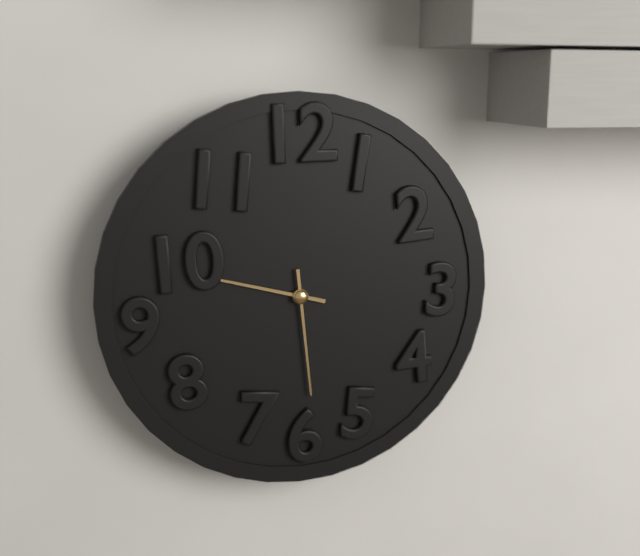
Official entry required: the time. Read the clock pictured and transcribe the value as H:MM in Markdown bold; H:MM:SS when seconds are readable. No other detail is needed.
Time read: **9:29**
